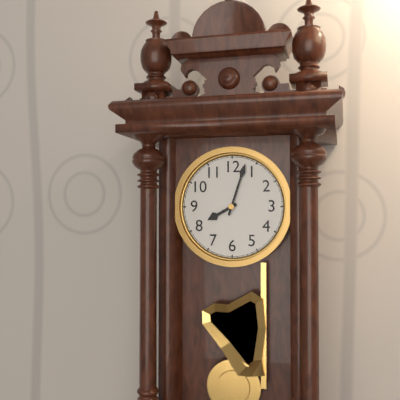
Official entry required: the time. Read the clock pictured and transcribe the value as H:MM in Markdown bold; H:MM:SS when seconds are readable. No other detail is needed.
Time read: **8:03**
